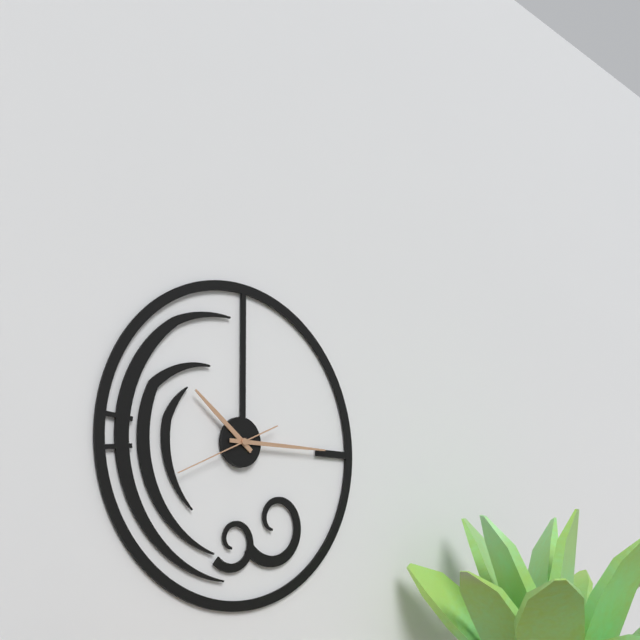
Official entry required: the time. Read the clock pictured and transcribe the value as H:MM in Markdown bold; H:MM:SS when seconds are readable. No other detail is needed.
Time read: **10:15:41**
